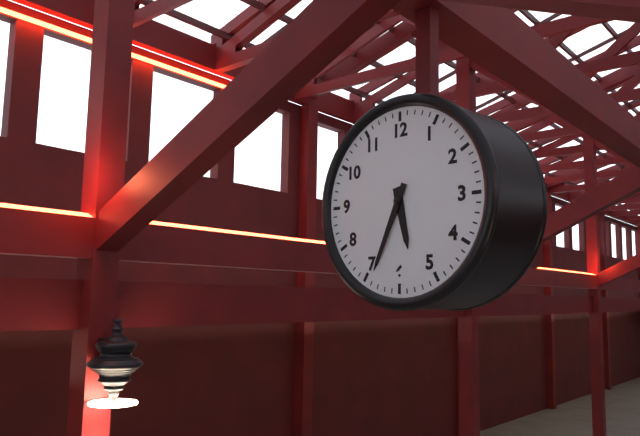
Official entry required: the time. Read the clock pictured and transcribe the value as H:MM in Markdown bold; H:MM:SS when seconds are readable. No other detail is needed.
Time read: **5:34**
